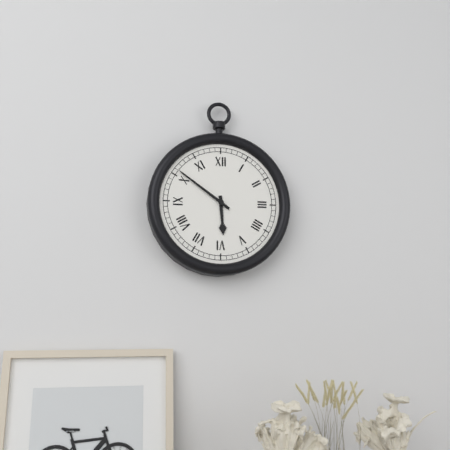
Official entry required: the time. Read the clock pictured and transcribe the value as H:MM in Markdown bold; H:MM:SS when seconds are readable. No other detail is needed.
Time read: **5:51**
